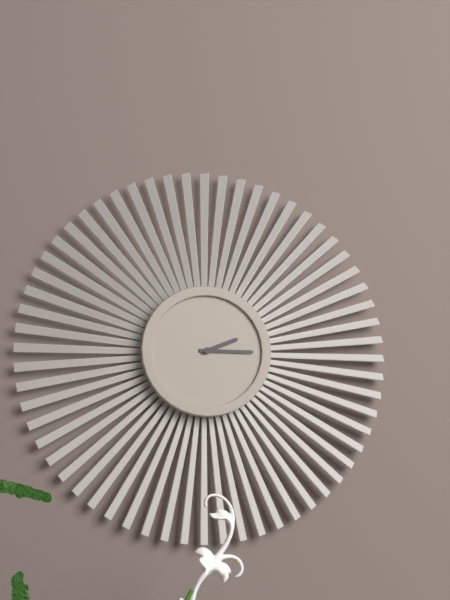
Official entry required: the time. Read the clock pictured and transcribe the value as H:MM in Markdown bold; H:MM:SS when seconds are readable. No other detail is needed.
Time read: **2:15**
